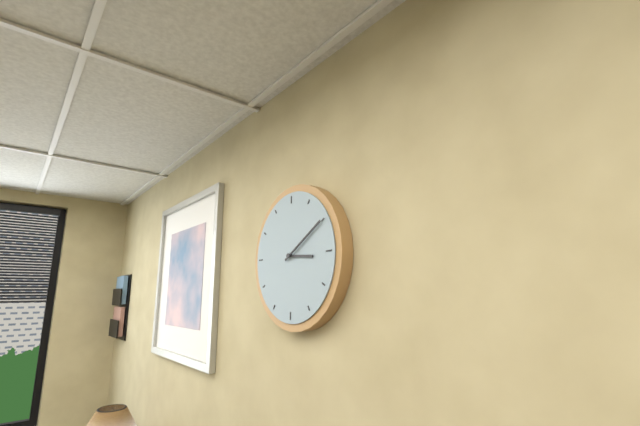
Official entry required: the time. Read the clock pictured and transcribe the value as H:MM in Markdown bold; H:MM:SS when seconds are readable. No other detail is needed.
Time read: **3:10**
